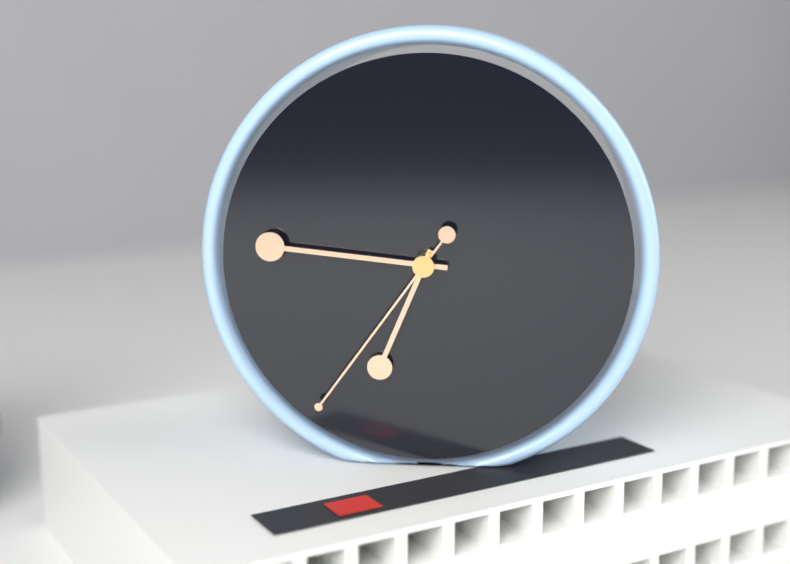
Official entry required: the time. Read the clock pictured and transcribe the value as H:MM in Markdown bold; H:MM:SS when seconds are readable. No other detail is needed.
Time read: **6:46:36**
